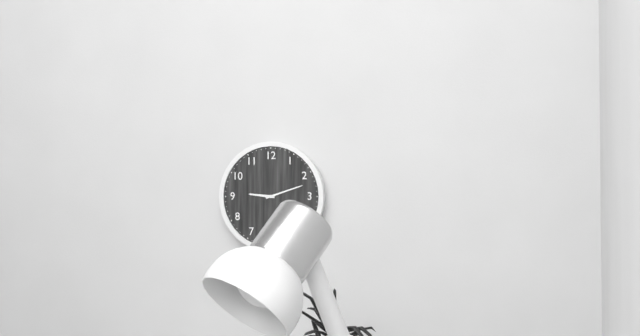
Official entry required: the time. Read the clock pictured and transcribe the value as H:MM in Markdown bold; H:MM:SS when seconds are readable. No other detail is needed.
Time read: **9:12**
